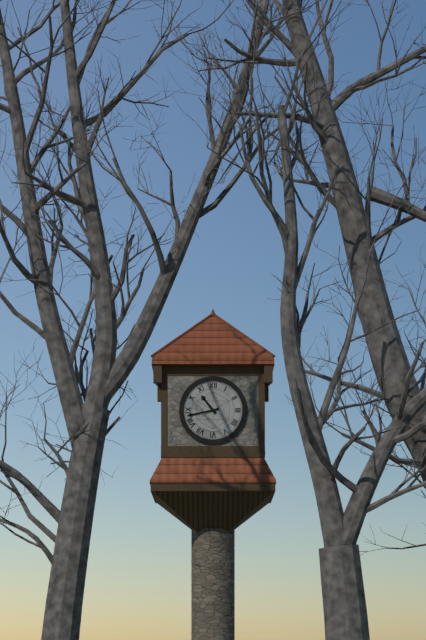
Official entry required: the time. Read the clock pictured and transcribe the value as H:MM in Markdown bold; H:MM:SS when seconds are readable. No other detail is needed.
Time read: **10:43**
